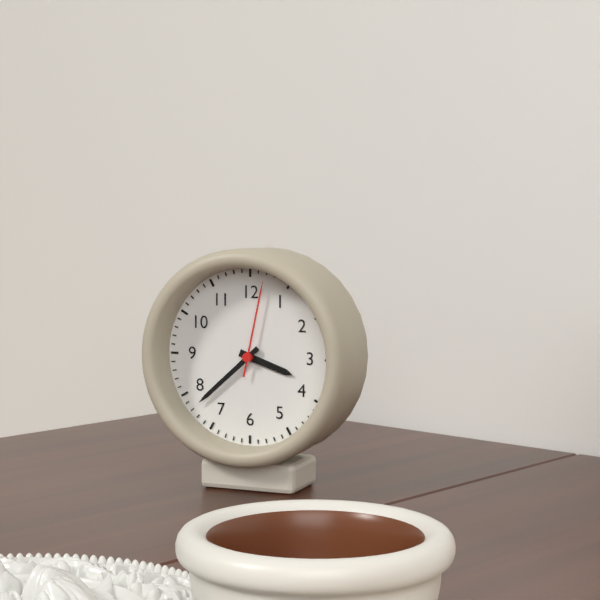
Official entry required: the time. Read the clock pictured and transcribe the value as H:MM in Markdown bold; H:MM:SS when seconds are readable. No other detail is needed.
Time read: **3:38:02**
